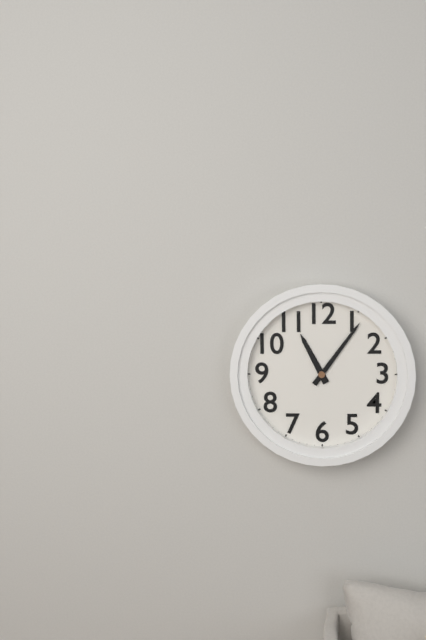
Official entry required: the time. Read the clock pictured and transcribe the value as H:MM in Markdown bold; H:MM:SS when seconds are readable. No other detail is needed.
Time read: **11:06**
